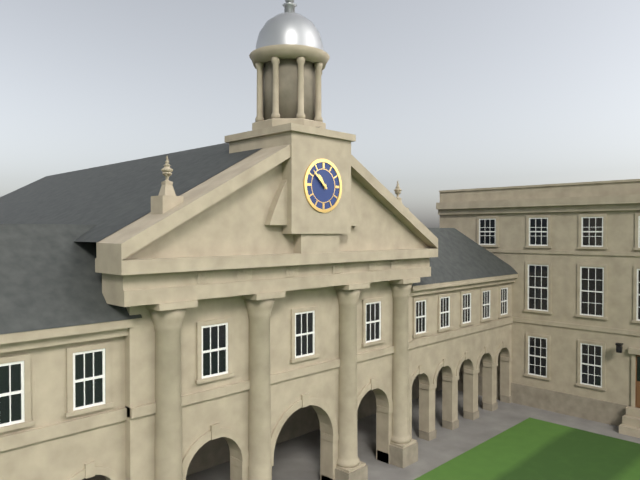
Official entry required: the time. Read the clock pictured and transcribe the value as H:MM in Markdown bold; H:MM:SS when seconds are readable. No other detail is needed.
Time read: **10:52**
